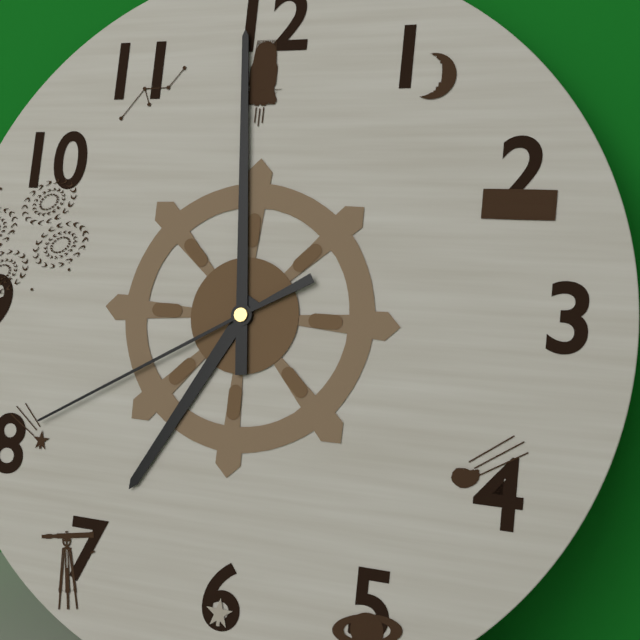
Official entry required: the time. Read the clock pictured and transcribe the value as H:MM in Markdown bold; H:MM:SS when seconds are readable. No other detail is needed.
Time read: **6:59:40**
